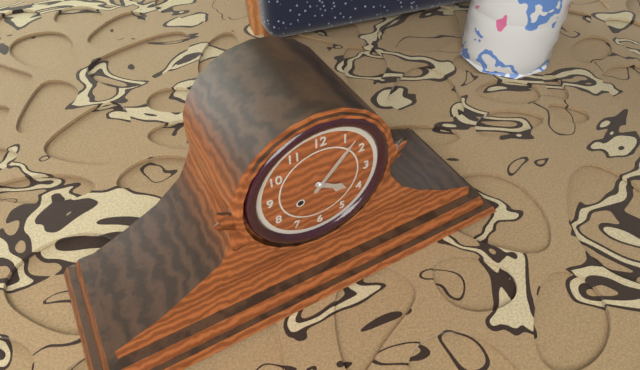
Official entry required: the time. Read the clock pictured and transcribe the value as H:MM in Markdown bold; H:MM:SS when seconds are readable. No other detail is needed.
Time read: **4:07**
